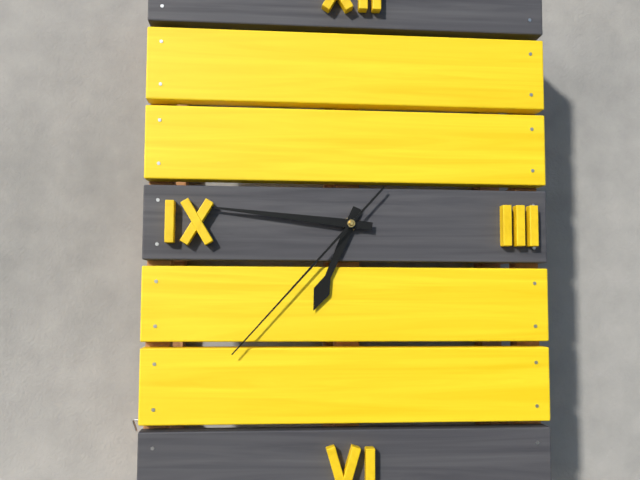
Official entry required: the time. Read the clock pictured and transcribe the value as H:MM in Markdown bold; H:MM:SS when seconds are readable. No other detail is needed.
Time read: **6:46:37**
